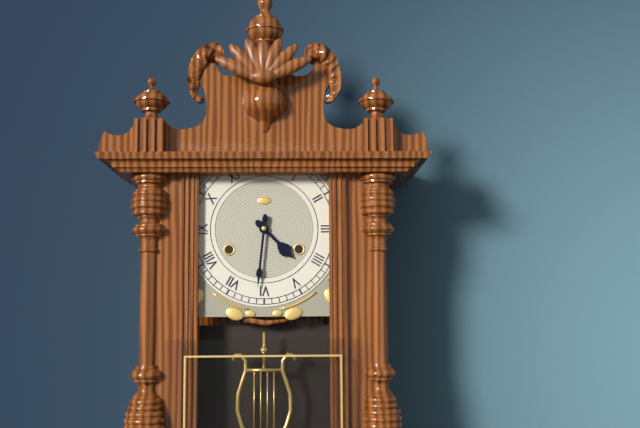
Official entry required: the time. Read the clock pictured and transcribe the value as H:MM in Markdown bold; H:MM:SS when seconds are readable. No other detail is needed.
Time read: **4:31**
